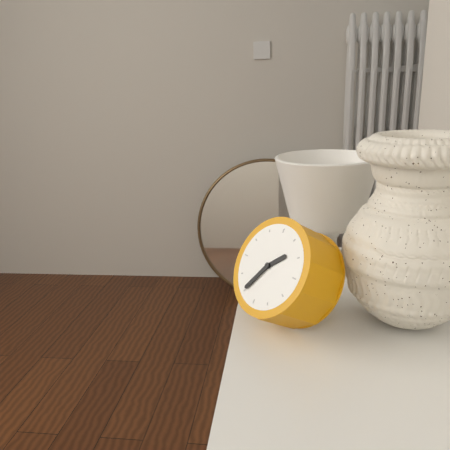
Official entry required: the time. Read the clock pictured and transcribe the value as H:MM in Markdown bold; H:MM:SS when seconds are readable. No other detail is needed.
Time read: **1:35**
